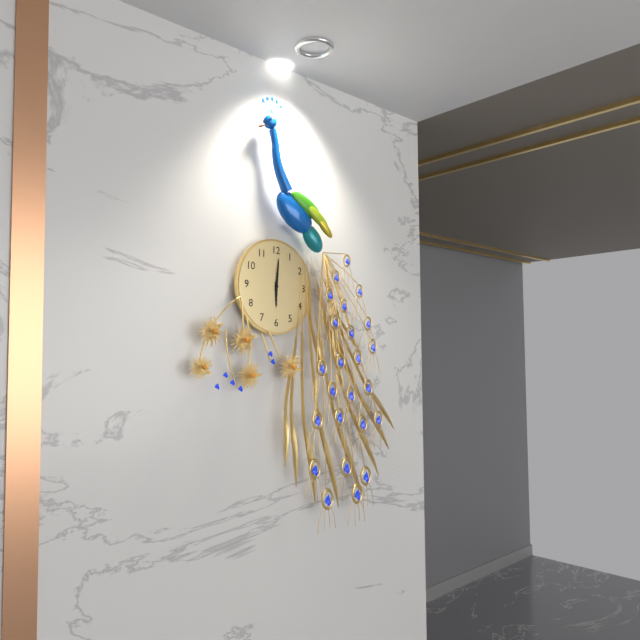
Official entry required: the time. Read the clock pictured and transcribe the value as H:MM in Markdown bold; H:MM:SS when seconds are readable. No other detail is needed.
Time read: **6:01**
